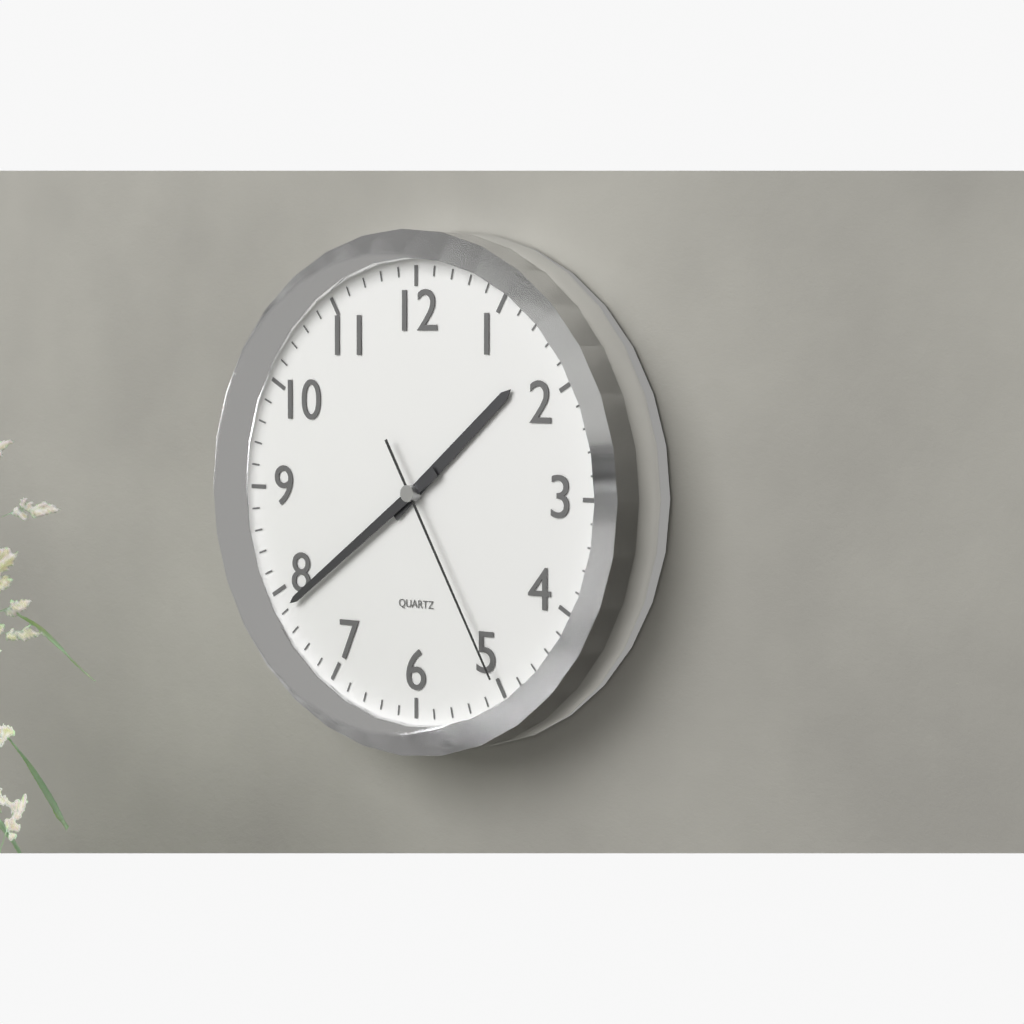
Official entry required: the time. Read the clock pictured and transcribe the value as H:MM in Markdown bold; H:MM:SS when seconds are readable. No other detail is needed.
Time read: **1:39:25**
